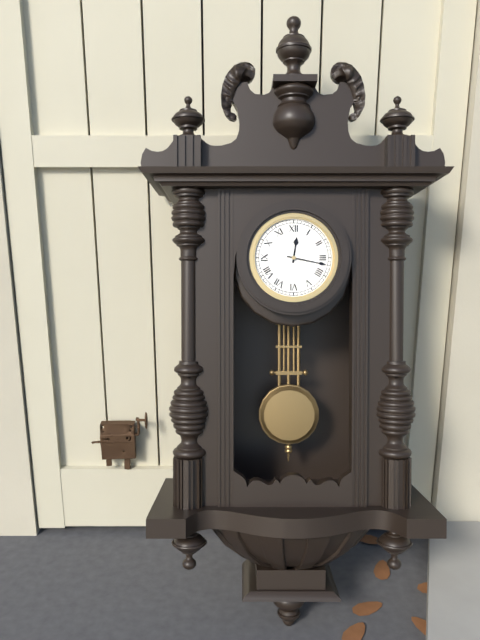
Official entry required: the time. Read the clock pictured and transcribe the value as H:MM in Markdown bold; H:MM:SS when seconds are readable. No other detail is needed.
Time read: **12:17**
